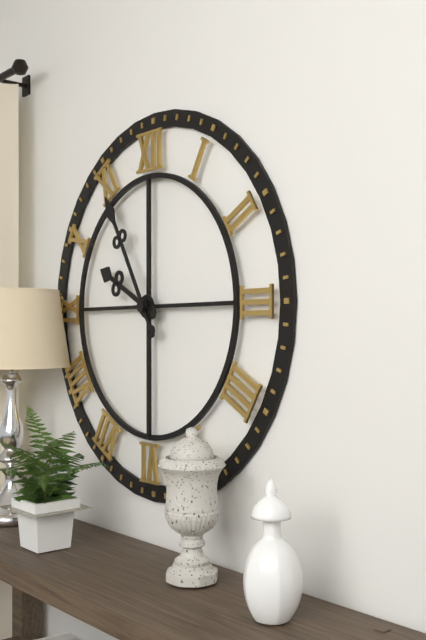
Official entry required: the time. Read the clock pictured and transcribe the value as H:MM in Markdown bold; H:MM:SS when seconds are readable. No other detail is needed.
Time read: **9:55**
